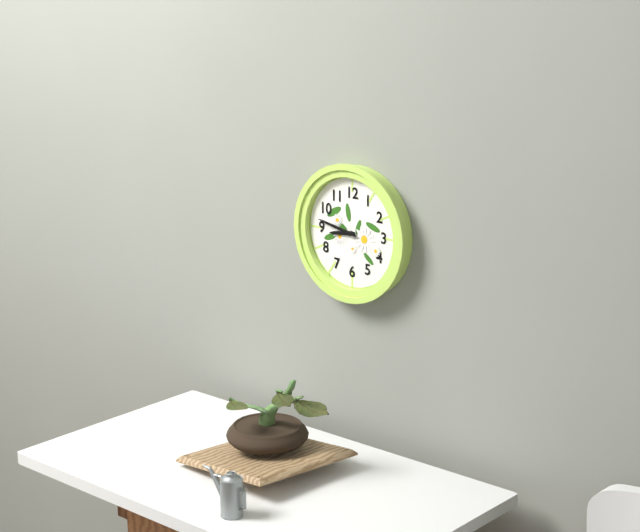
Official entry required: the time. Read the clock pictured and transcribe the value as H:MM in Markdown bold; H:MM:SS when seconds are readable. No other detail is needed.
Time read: **8:47**
